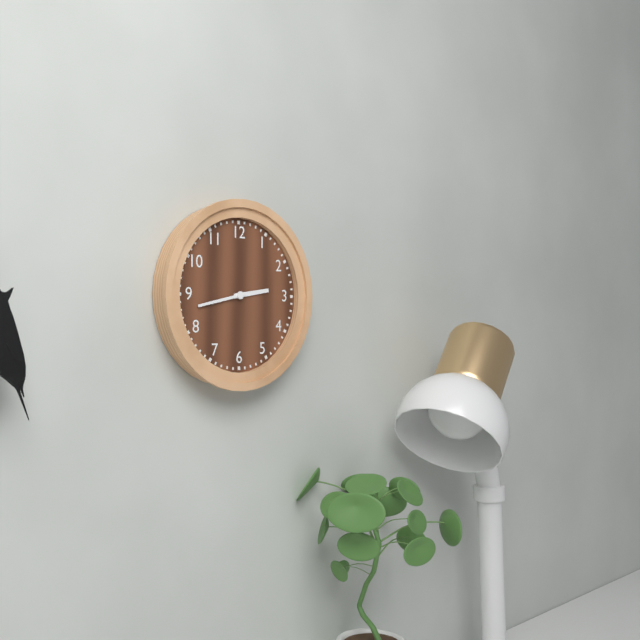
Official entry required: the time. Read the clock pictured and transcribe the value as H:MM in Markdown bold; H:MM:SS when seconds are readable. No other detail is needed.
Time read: **2:43**
